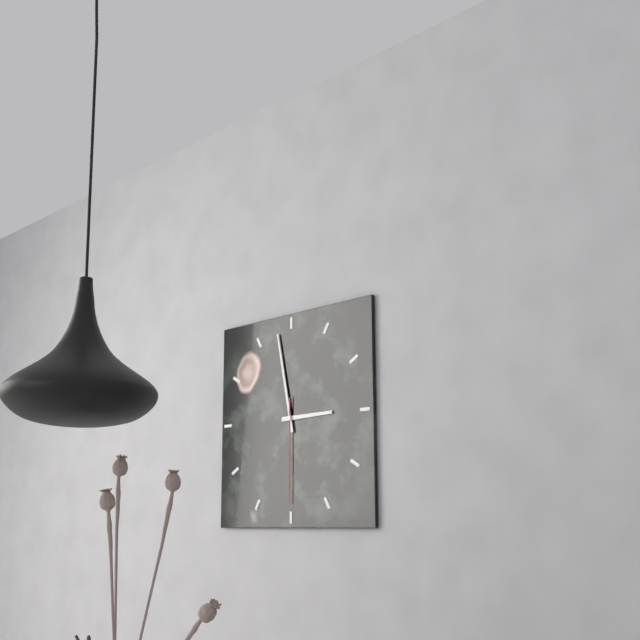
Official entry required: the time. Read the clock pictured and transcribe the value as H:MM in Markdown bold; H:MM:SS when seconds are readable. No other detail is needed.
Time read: **2:58:30**
